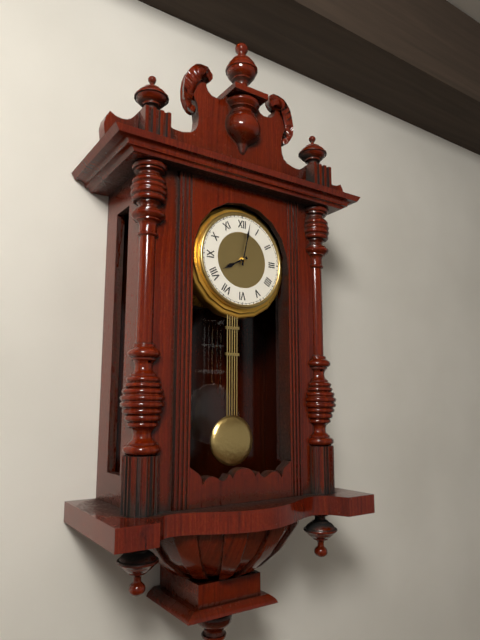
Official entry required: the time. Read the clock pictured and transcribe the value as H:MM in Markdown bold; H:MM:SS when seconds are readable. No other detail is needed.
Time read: **8:02**
